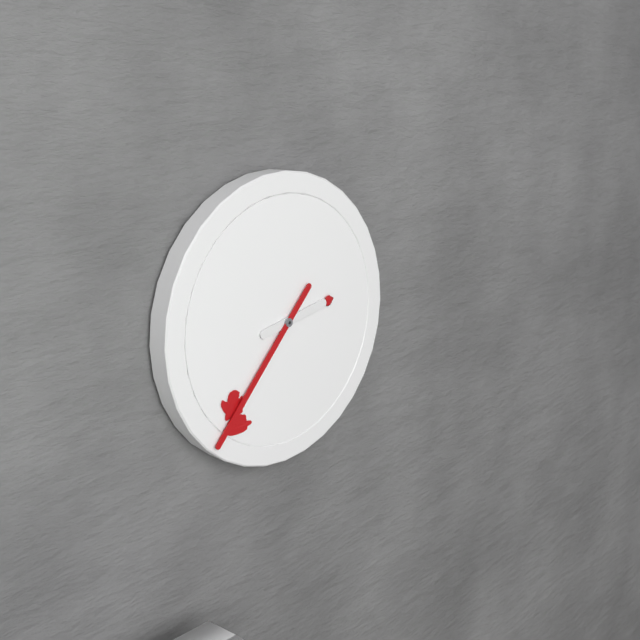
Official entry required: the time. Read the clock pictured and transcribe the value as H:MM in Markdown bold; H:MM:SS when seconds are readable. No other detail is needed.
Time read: **2:37**
